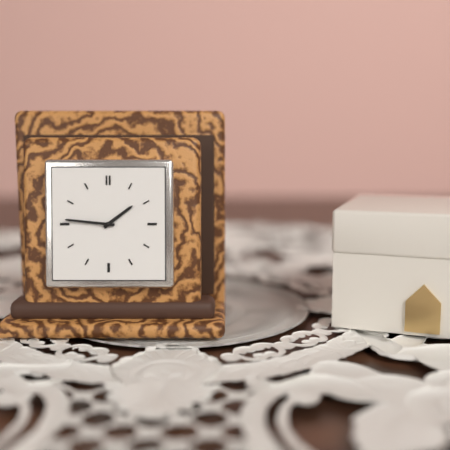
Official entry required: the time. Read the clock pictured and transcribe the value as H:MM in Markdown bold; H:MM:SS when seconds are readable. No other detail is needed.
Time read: **1:46**
